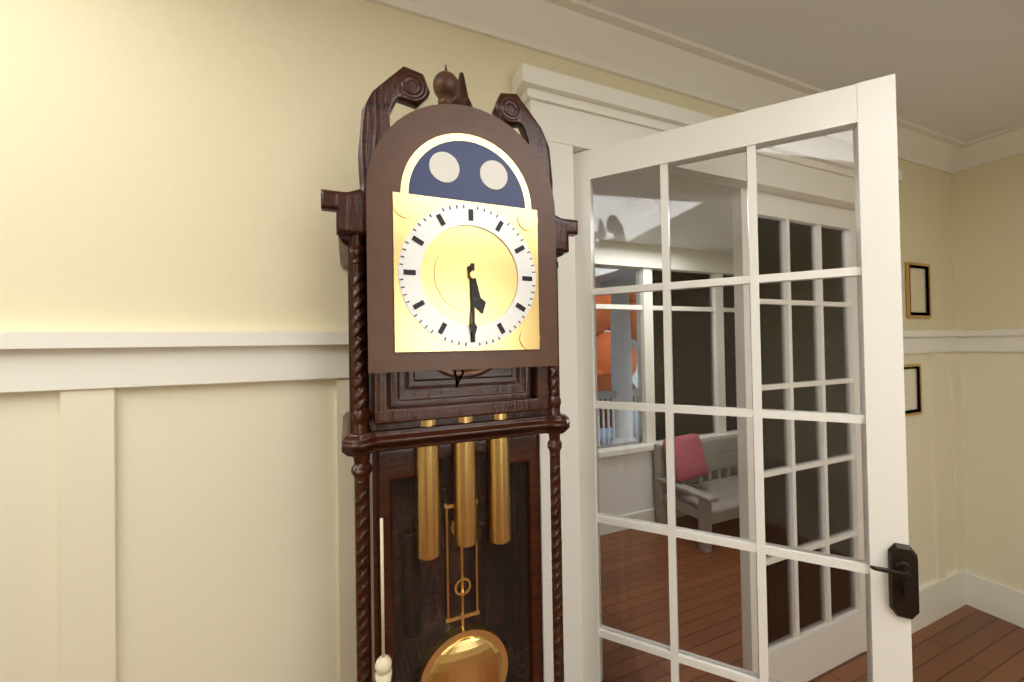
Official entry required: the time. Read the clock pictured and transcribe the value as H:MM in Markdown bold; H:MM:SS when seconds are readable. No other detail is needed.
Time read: **5:30**
